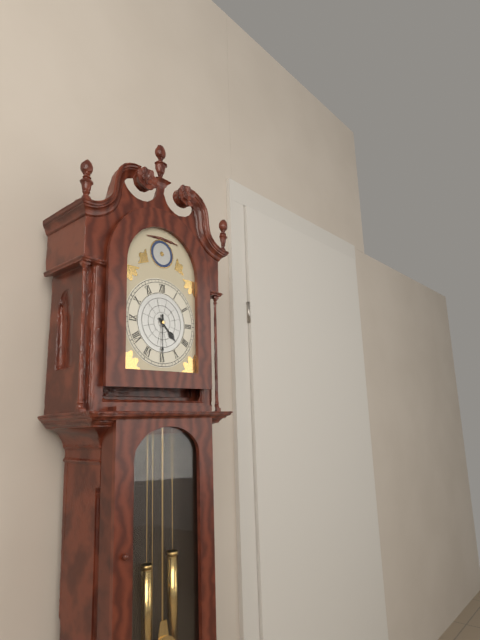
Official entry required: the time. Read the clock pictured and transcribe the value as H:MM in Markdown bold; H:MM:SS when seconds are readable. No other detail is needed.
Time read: **4:30**
